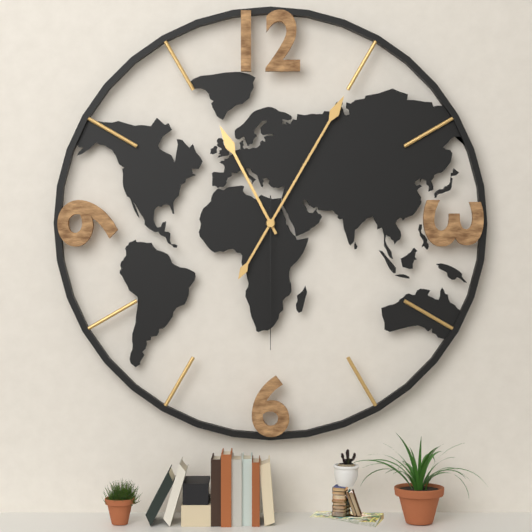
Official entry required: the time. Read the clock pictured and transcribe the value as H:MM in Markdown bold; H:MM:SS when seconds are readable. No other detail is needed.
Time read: **11:05:30**
